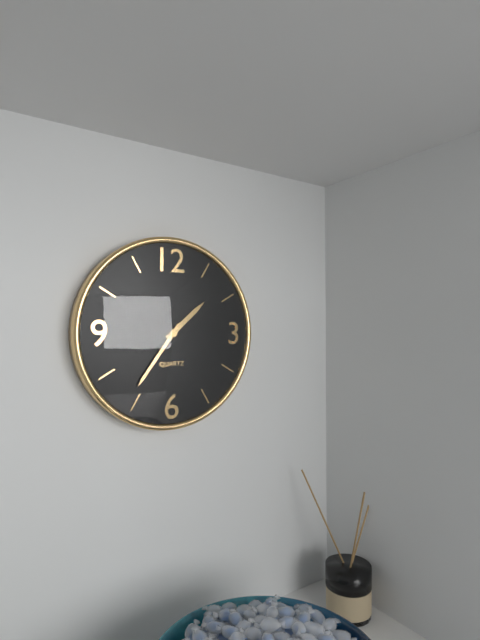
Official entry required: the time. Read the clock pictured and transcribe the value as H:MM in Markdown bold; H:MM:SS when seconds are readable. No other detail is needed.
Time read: **1:36**
